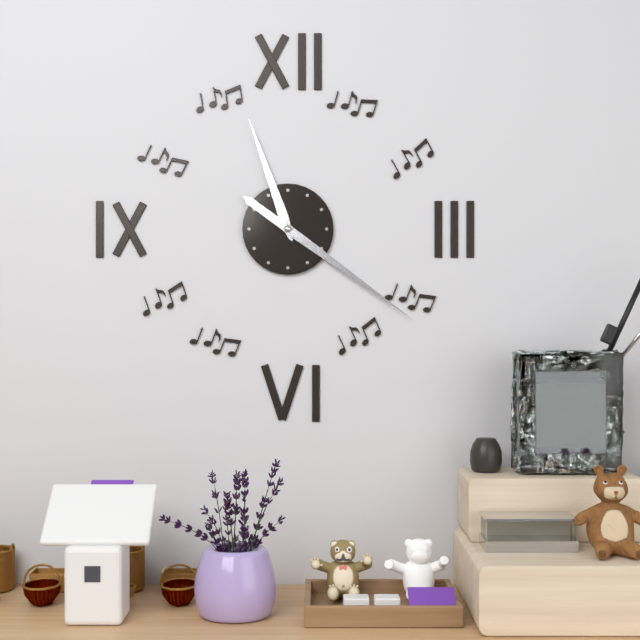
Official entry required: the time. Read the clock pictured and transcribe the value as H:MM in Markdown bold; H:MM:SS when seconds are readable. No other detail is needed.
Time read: **11:21**
